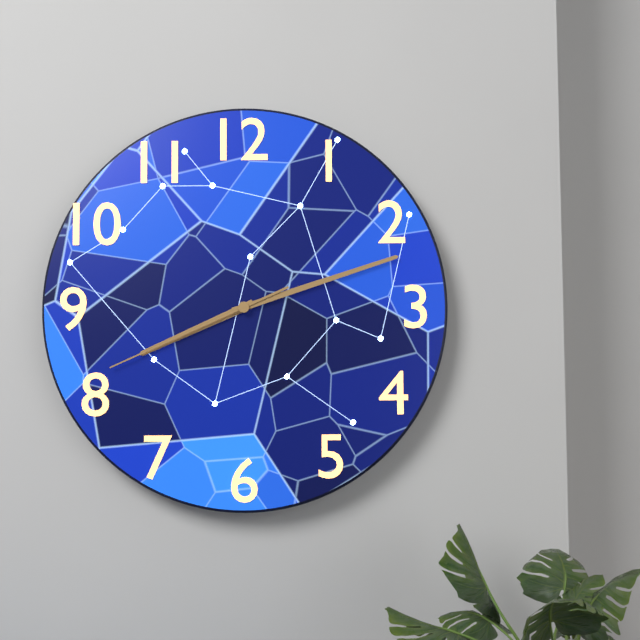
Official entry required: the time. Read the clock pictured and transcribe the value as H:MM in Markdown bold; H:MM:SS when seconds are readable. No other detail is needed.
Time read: **8:12:41**
